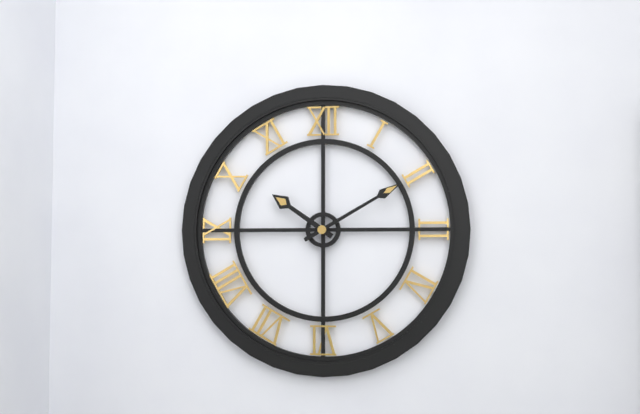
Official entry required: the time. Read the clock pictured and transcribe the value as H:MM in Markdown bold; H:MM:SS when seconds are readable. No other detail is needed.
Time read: **10:10**
